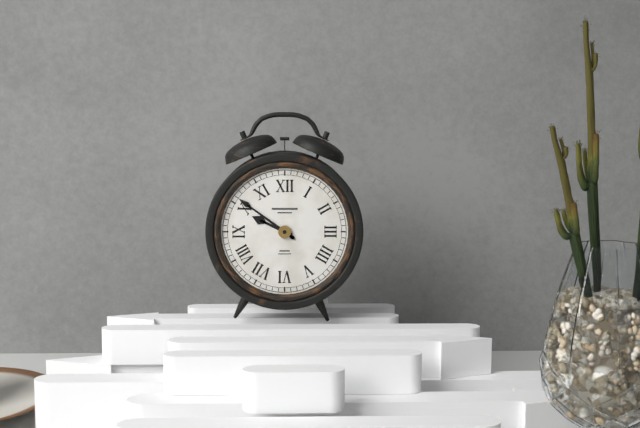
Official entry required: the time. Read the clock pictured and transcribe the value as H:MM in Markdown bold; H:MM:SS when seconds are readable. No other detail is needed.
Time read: **9:51**
